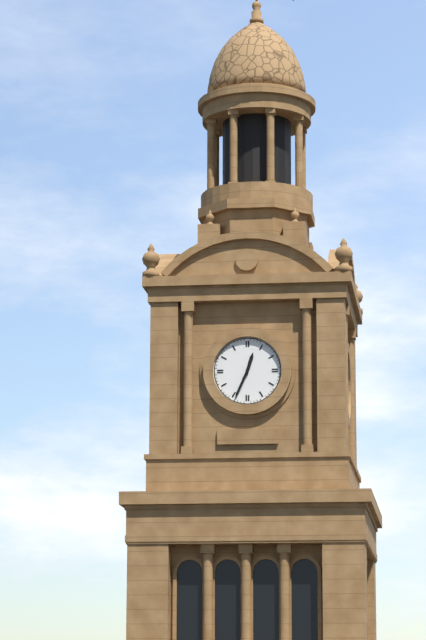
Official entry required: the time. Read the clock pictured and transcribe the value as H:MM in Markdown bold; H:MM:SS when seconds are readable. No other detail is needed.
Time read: **12:34**
